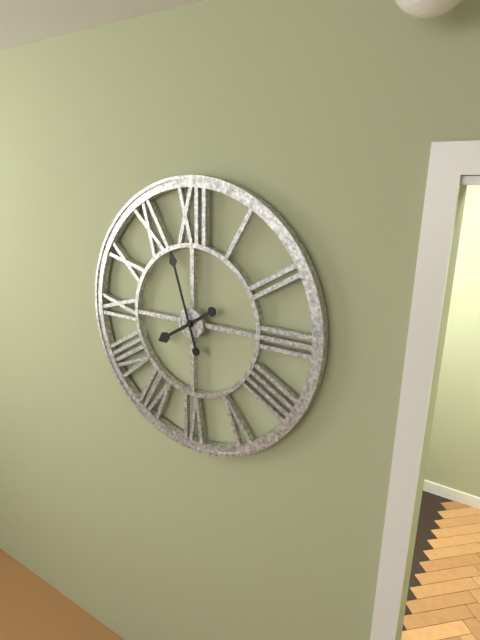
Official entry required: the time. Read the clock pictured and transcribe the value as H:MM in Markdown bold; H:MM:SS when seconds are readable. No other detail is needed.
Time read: **7:57**
